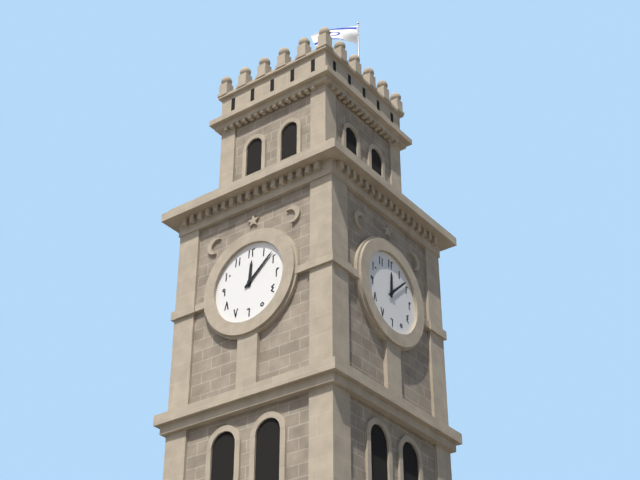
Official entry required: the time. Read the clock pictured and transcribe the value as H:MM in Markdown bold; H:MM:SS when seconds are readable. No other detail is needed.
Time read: **12:08**
